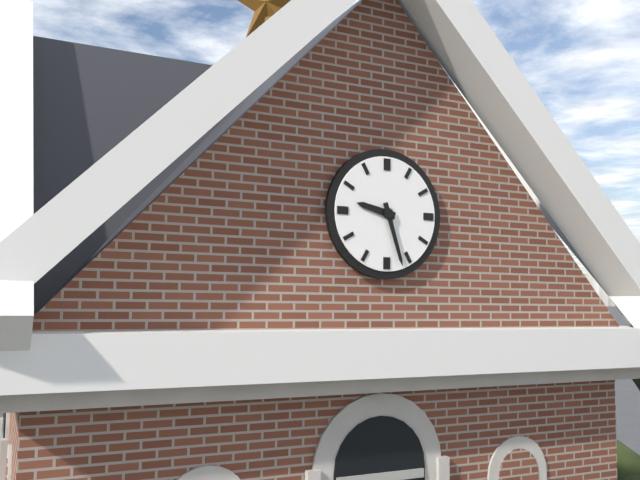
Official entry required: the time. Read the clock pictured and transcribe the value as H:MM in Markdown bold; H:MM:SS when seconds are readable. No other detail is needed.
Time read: **9:27**
